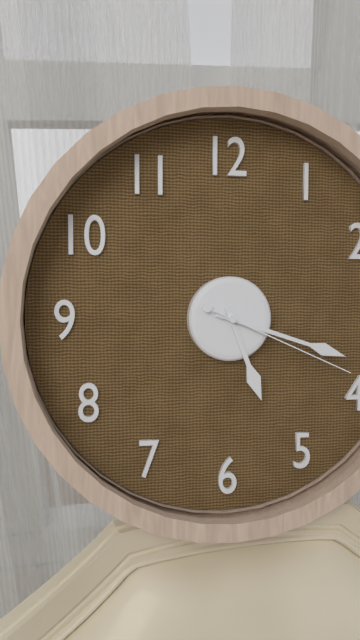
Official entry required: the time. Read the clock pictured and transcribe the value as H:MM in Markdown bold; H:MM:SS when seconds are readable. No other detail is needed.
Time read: **5:18:19**
